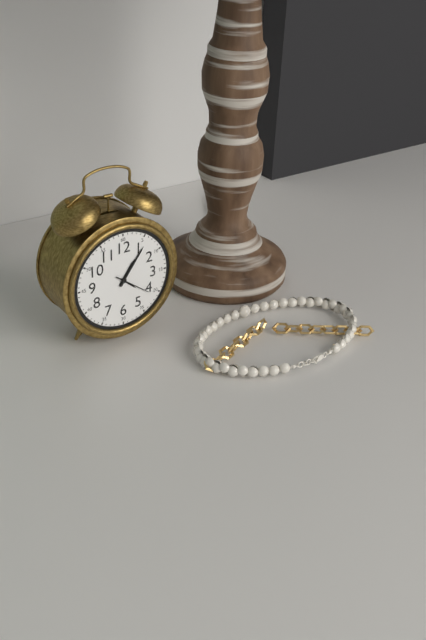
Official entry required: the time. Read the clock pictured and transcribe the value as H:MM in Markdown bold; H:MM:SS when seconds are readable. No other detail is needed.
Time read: **1:06**
